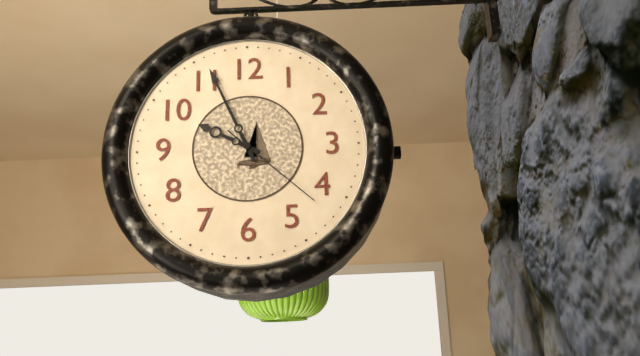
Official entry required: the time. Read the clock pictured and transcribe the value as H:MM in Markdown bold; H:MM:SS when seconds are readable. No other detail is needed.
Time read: **9:56:22**
